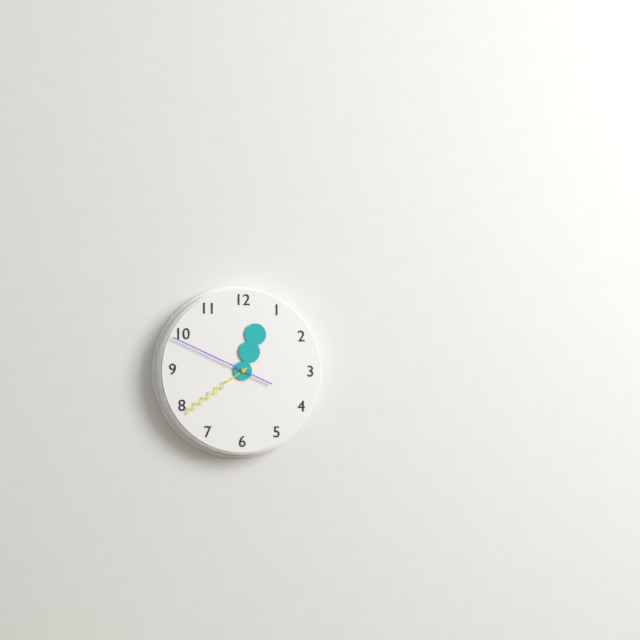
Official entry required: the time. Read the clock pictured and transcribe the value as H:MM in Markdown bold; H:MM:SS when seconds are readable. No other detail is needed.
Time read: **12:39:49**
